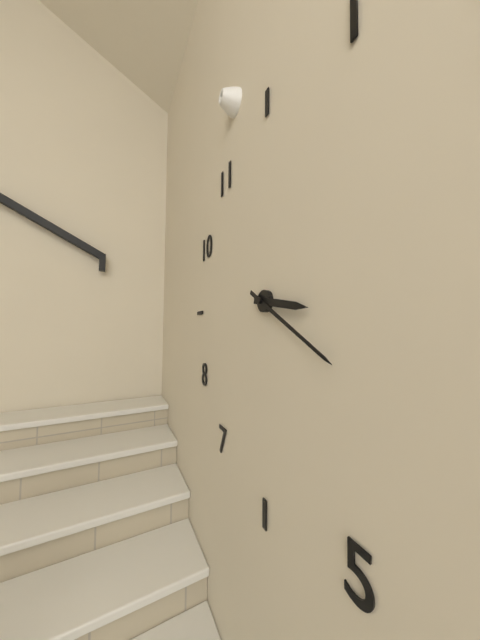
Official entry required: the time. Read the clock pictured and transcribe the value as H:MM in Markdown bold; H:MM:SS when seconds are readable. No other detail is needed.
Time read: **3:20**
